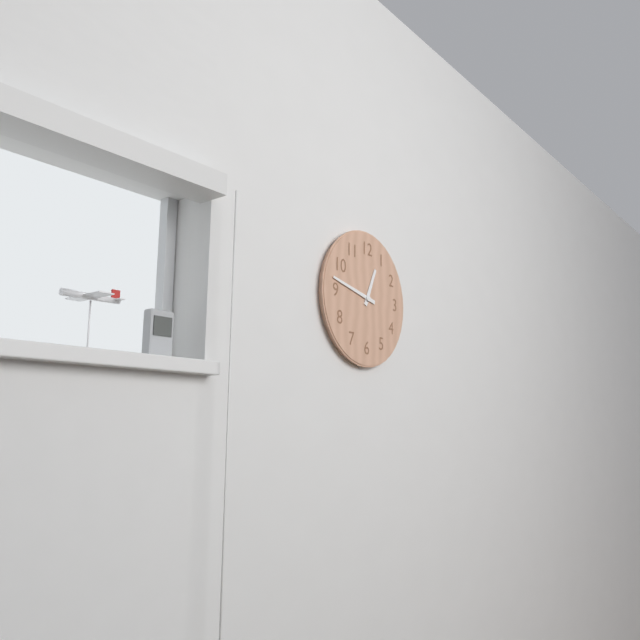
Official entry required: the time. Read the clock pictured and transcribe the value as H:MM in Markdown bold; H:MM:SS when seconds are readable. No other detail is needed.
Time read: **12:47**
